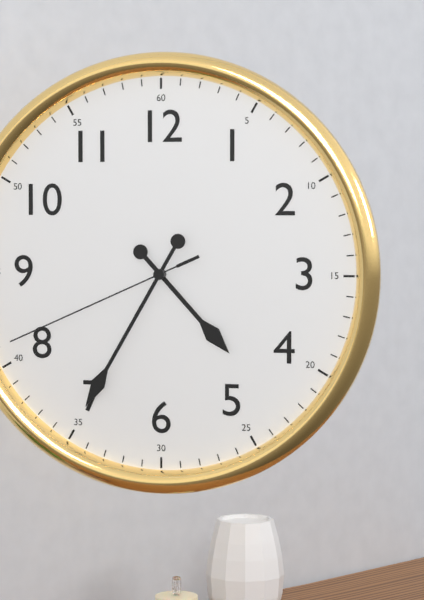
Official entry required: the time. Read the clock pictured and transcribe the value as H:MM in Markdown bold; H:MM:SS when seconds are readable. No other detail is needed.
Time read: **4:35:41**
